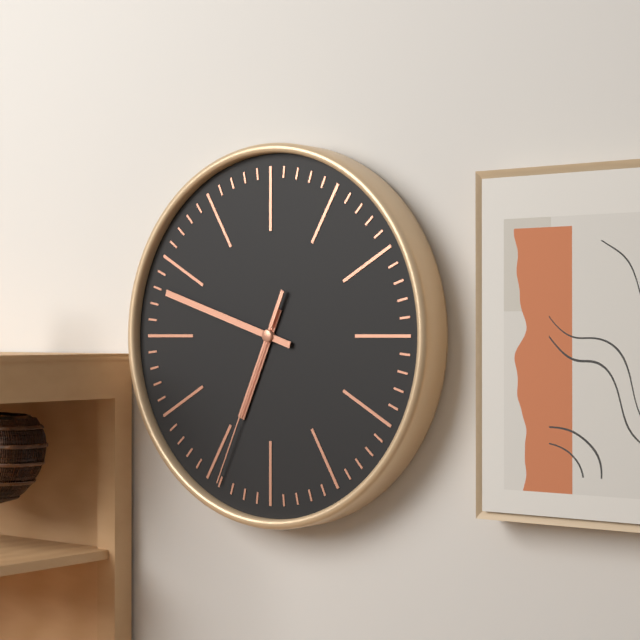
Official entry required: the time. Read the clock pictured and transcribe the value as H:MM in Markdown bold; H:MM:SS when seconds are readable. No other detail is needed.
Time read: **6:48:34**
